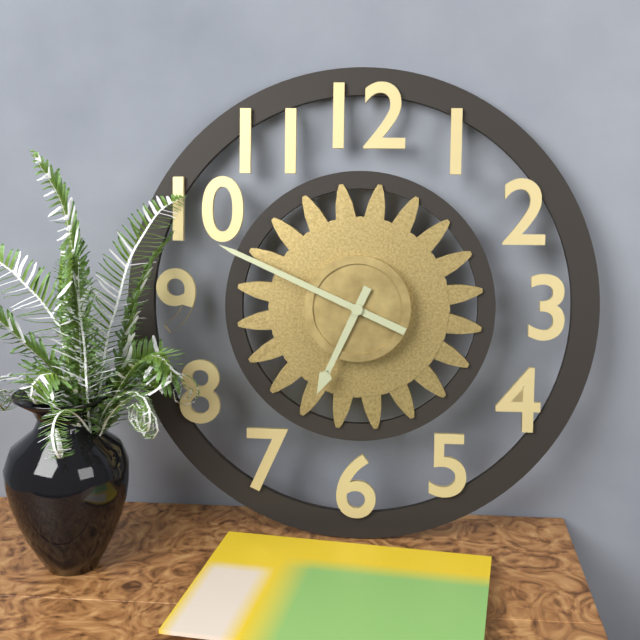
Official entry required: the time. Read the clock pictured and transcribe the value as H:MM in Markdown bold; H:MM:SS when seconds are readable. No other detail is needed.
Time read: **6:49**
